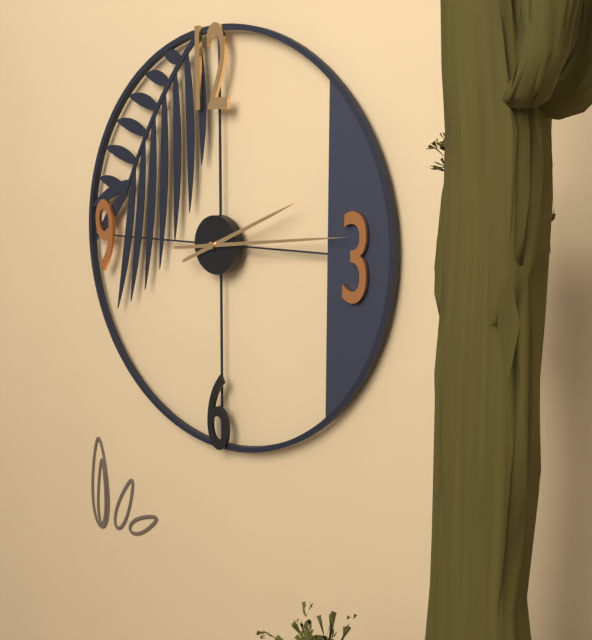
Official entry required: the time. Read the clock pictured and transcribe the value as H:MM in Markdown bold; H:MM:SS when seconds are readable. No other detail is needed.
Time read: **2:14**
